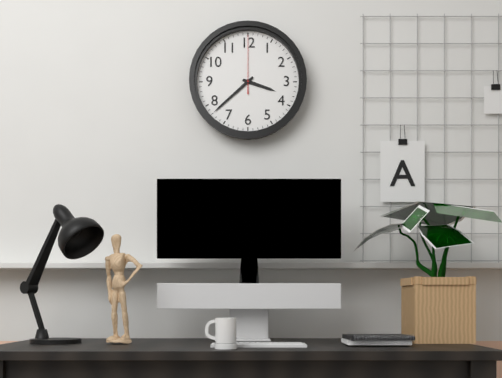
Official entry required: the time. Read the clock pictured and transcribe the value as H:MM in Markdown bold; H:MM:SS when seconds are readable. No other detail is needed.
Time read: **3:38:00**
